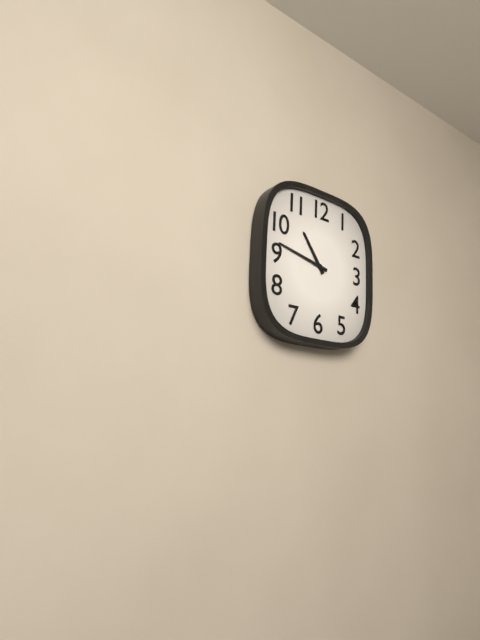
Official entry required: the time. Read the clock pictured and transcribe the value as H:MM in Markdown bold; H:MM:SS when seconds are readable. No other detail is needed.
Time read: **10:47**
